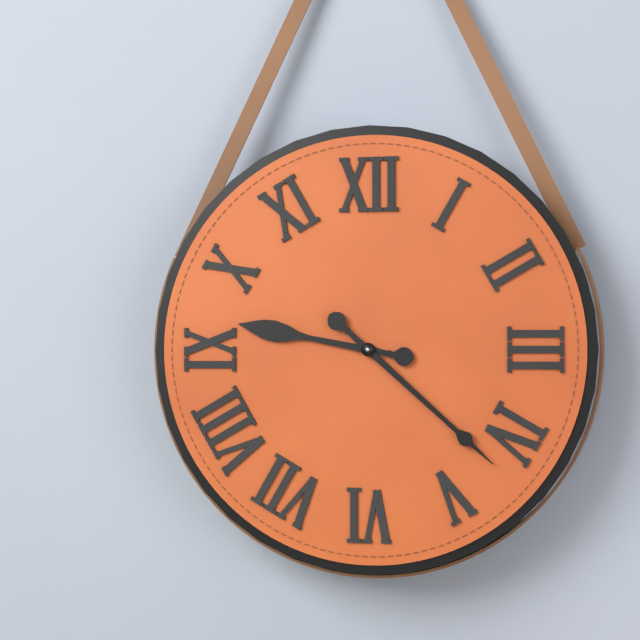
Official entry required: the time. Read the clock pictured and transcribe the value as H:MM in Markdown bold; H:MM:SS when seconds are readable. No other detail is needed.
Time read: **9:22**
